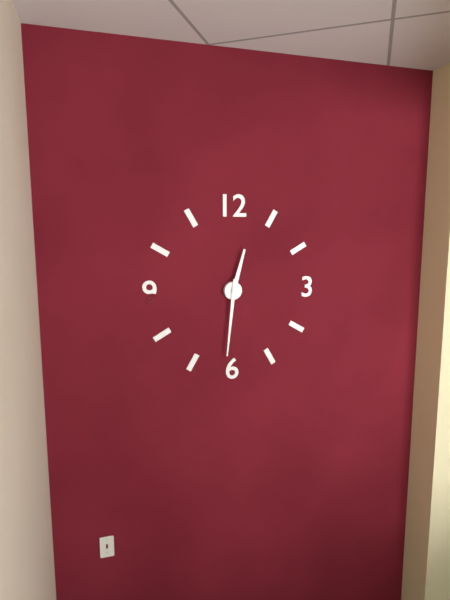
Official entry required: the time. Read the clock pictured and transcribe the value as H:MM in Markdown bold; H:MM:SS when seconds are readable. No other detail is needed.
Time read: **12:31**
